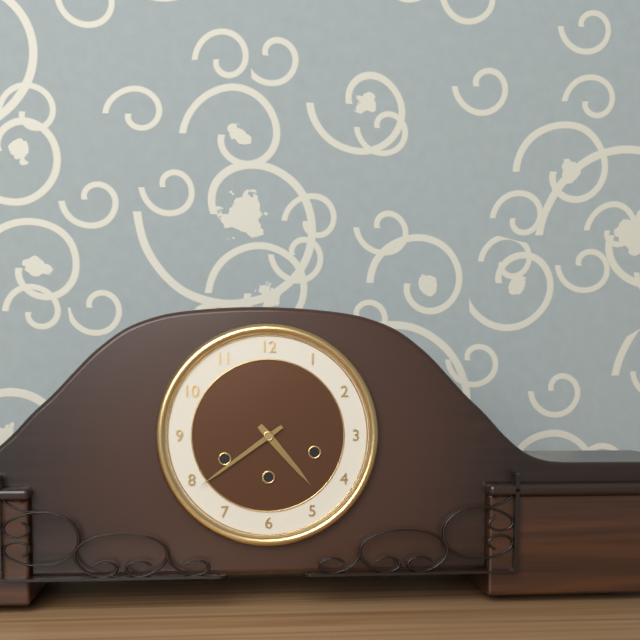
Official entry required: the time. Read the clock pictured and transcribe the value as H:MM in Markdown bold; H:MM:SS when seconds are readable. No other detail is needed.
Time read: **4:39**
